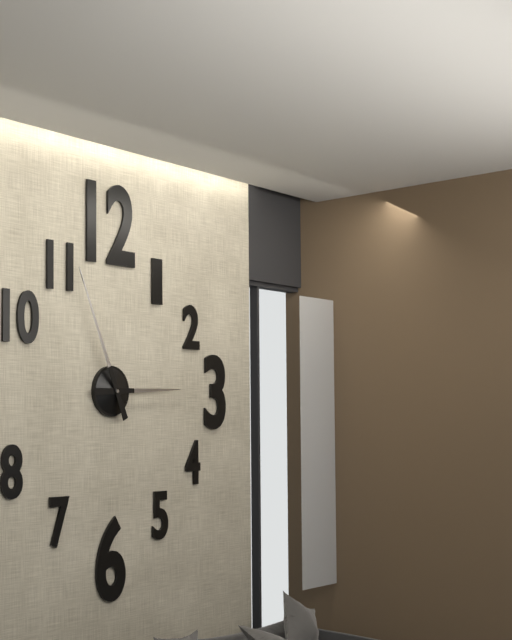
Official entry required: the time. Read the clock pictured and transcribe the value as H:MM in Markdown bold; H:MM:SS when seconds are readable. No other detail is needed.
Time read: **2:56**
